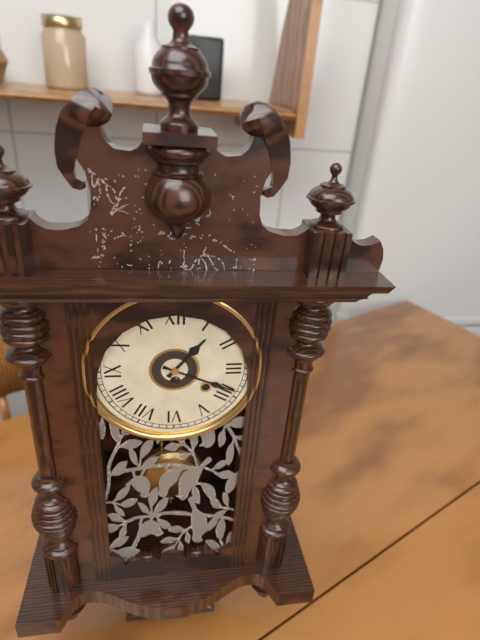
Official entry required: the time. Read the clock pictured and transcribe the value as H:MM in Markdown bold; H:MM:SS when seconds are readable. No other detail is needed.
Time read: **1:19**
